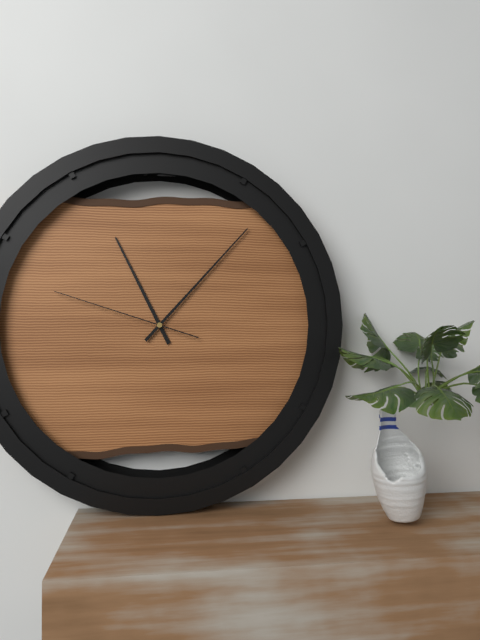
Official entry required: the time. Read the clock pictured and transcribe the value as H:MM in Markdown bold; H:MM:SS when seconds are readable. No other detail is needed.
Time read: **11:07:48**
